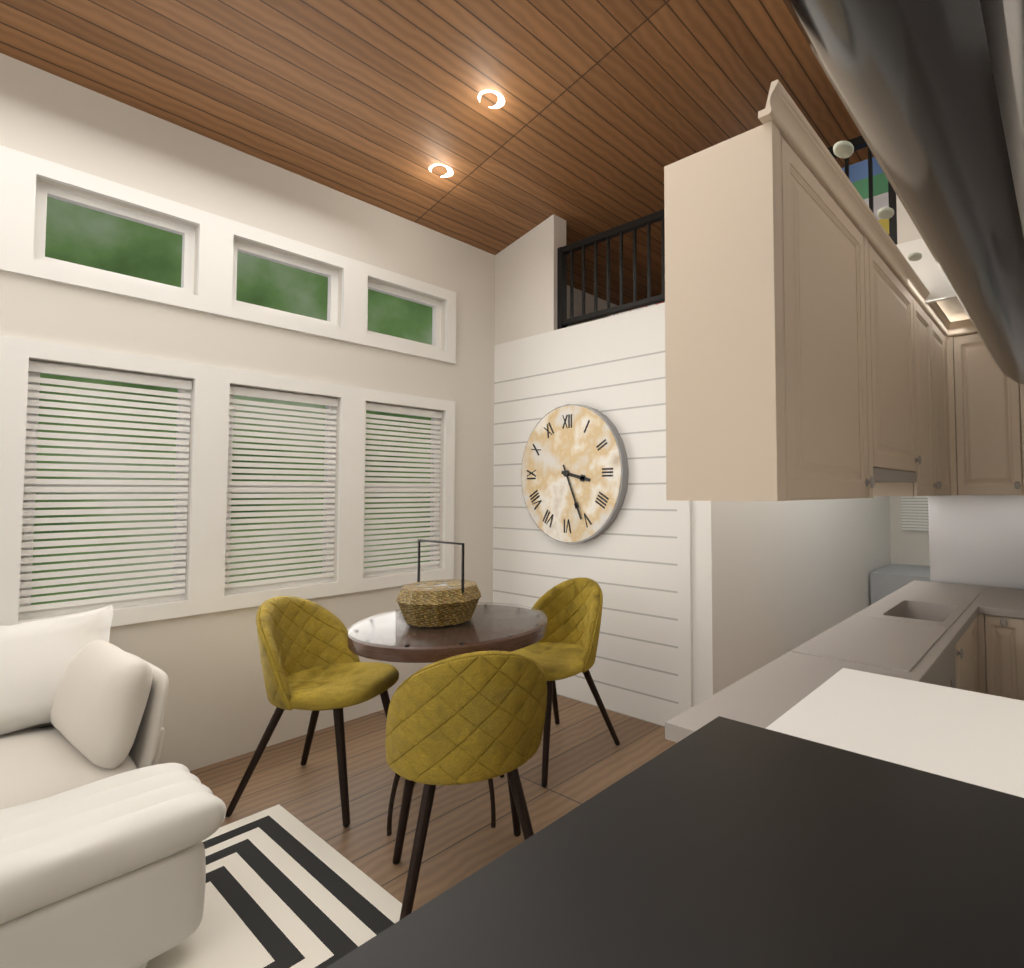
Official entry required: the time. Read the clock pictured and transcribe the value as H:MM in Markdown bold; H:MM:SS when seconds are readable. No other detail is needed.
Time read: **3:26**
